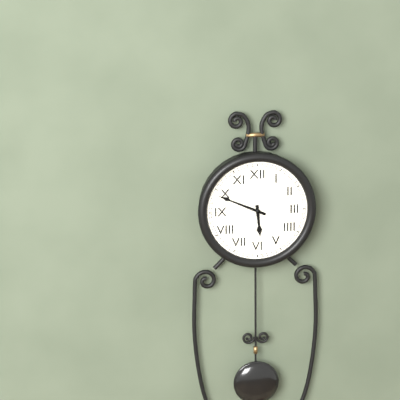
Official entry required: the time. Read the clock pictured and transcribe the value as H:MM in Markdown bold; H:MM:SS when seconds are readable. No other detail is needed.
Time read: **5:49**
